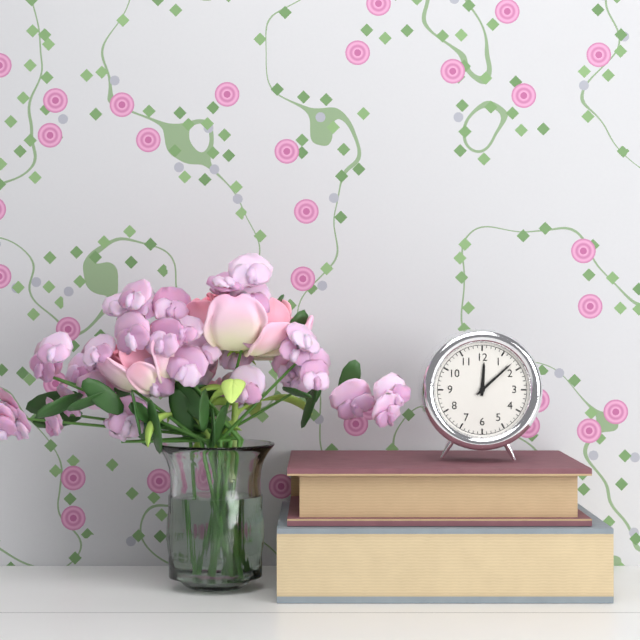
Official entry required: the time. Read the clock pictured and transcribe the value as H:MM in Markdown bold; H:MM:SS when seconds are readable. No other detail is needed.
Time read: **12:08**
